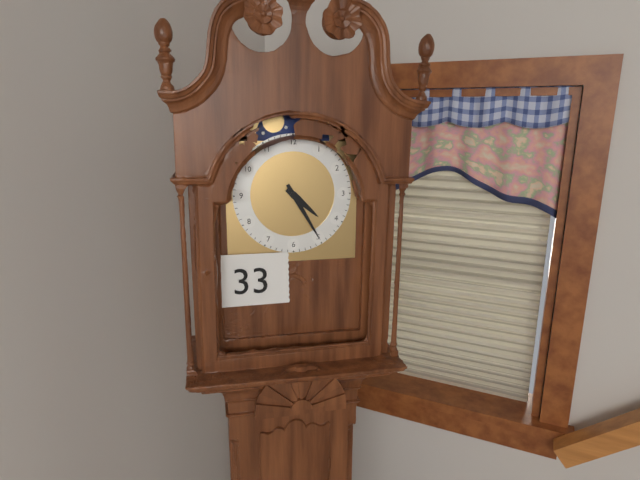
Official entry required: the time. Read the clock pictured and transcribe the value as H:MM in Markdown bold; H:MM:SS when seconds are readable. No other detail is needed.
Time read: **4:25**
